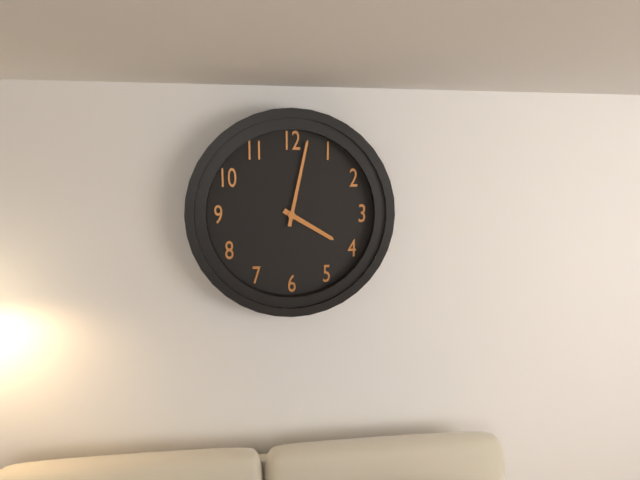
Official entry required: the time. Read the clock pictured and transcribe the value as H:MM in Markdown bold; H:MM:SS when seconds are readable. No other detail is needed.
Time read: **4:02**
